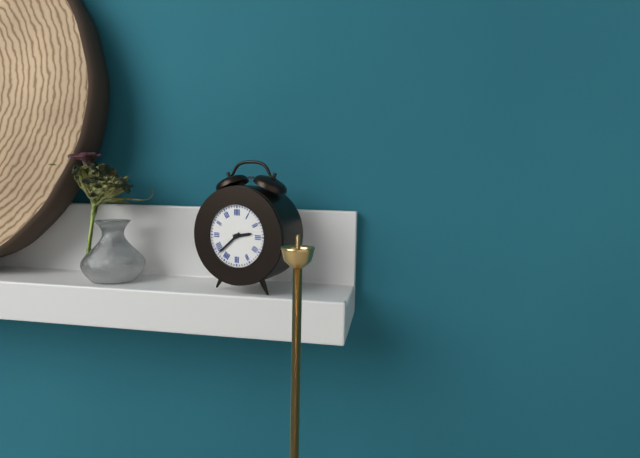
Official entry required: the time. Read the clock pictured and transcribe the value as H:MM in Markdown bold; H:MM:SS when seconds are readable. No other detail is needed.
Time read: **2:38**
